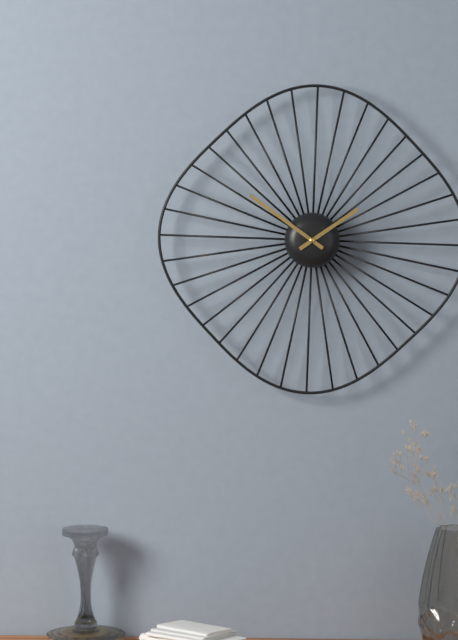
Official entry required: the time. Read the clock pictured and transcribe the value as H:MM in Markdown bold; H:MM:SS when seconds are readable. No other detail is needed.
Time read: **1:51**
